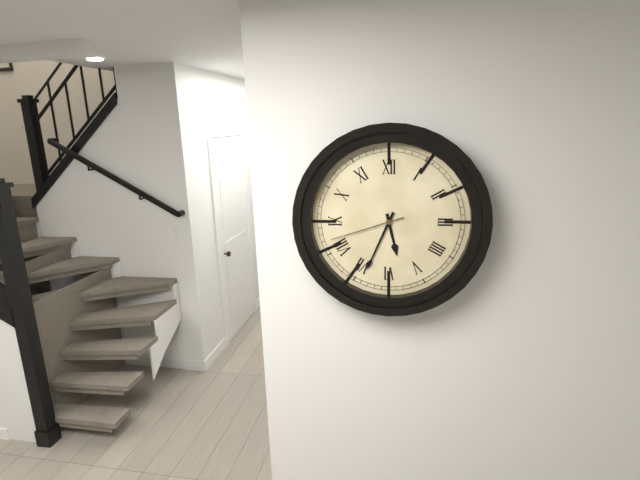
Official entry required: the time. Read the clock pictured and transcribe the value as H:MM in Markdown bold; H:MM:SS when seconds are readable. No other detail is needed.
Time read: **5:34:42**
